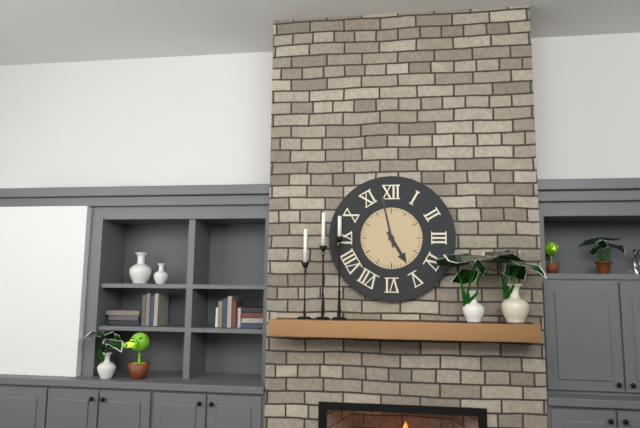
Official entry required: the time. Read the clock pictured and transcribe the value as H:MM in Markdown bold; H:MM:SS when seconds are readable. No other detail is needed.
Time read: **4:58**
